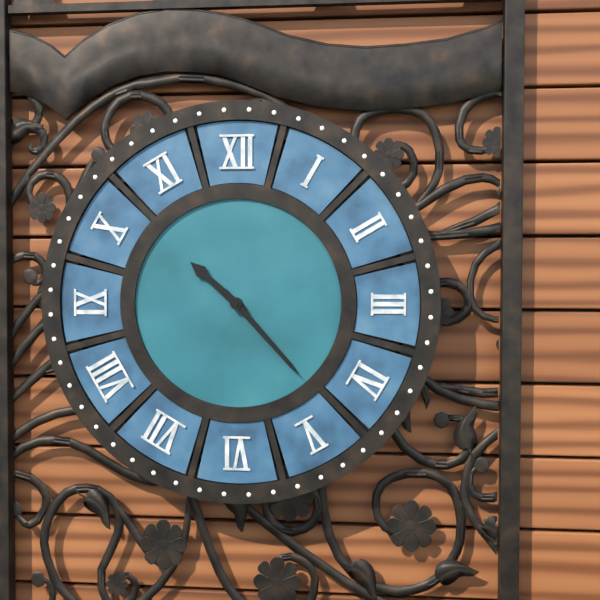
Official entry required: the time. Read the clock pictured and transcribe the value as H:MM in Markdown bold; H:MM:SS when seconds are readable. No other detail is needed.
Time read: **10:23**
